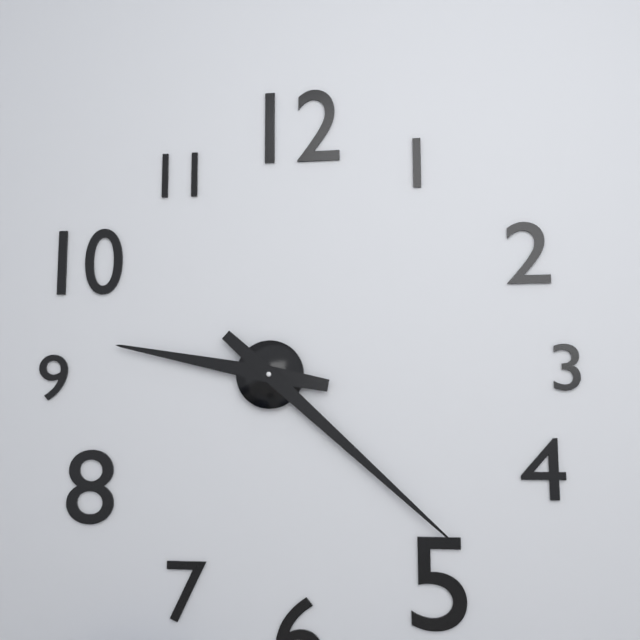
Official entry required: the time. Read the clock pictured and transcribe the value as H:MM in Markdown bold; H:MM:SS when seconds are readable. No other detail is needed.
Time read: **9:22**
